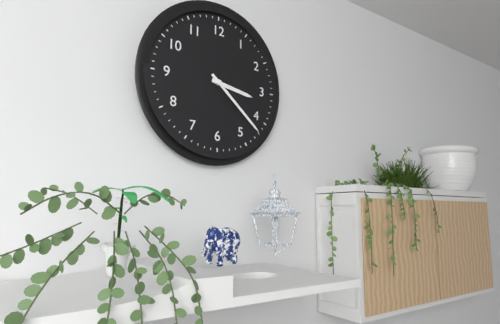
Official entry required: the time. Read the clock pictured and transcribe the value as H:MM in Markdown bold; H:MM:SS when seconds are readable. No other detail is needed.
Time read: **3:22**
